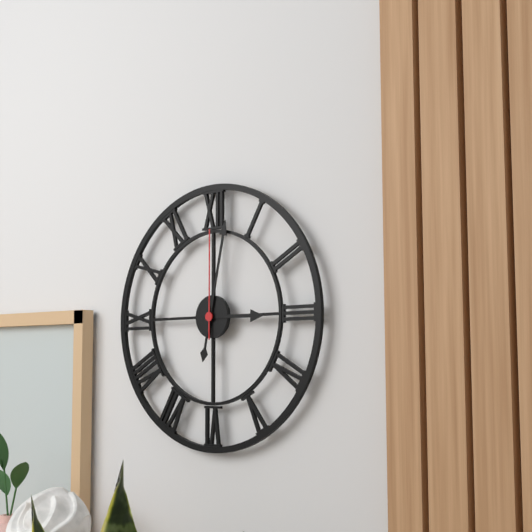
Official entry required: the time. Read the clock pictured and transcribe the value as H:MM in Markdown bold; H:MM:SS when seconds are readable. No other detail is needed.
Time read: **3:02:00**
